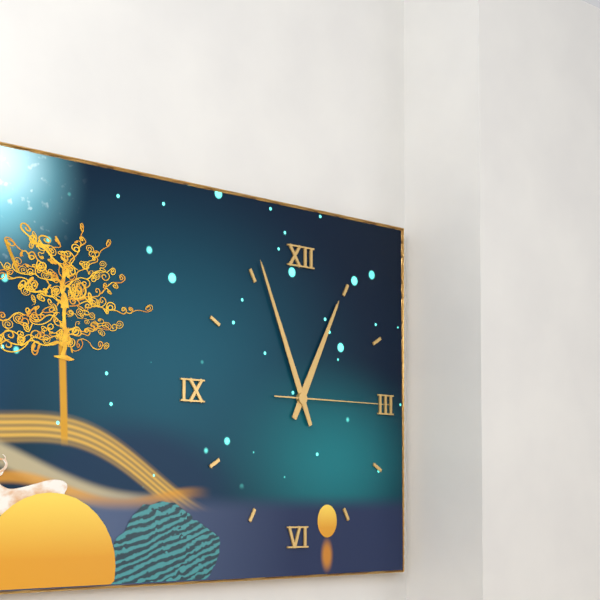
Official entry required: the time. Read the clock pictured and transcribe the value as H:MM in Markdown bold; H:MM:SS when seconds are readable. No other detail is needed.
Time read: **12:56:15**
